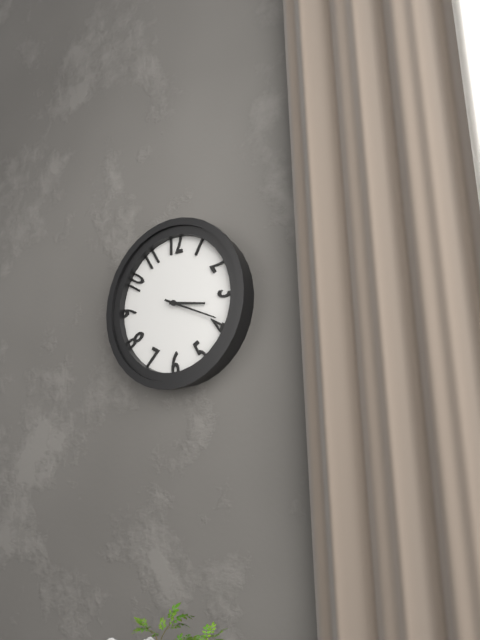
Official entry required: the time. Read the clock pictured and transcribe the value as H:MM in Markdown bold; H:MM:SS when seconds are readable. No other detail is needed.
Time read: **3:19**
